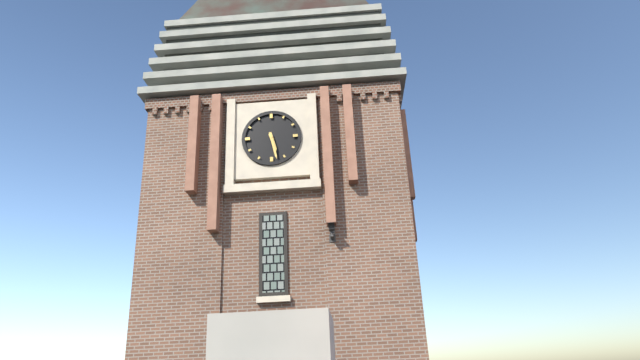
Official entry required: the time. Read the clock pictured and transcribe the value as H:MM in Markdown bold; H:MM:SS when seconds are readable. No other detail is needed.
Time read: **5:28**
